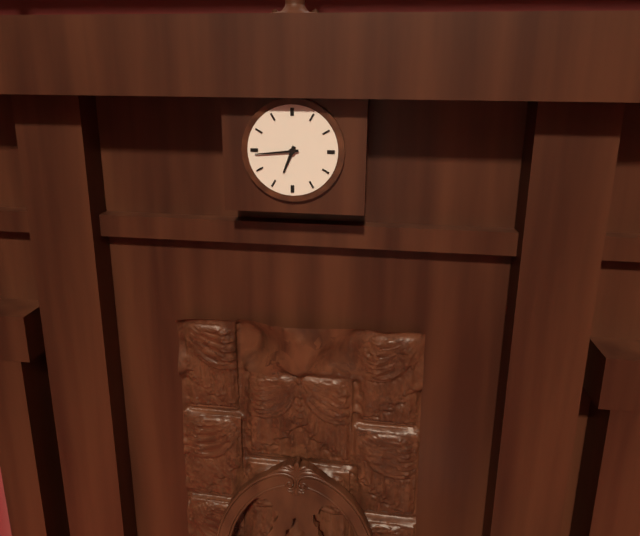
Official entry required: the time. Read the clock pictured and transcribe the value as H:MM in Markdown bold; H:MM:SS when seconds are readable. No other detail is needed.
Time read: **6:44**
